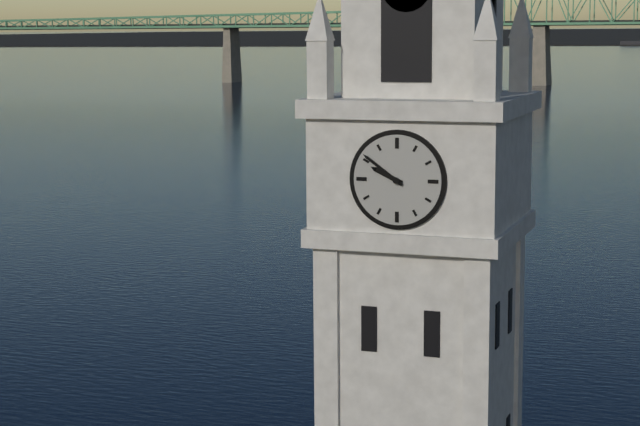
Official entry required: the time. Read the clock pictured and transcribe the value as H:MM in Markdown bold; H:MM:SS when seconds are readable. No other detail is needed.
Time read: **9:51**
